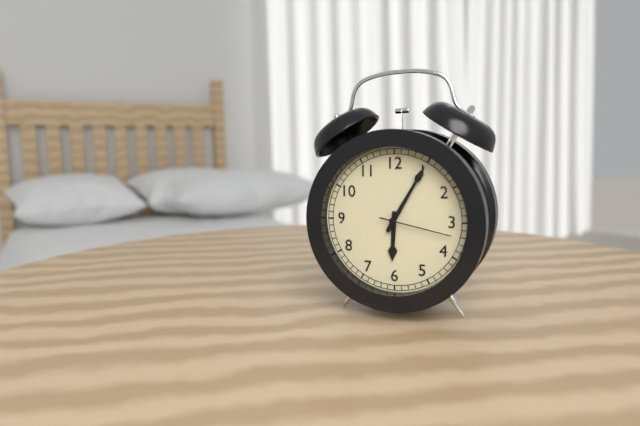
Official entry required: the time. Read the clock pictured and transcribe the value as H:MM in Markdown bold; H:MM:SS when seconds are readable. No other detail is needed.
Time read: **6:05:17**
